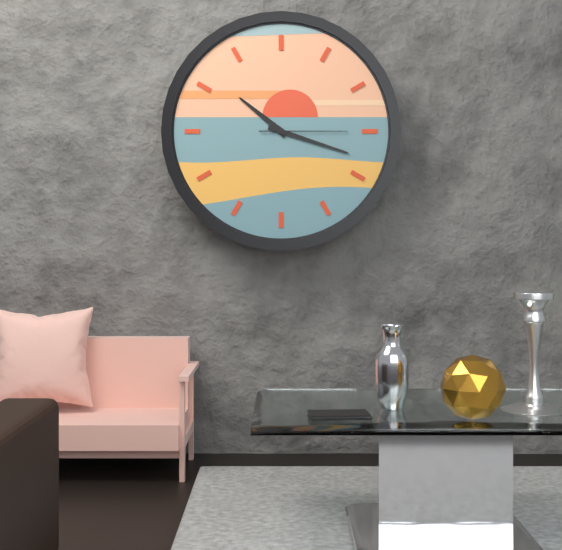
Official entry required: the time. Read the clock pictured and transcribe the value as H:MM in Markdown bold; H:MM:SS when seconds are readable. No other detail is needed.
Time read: **10:18:15**
